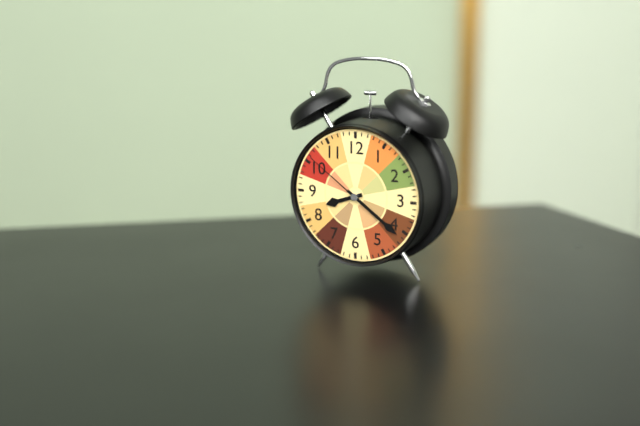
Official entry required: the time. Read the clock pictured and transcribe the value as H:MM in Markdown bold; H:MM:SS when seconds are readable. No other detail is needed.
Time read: **8:21:51**
